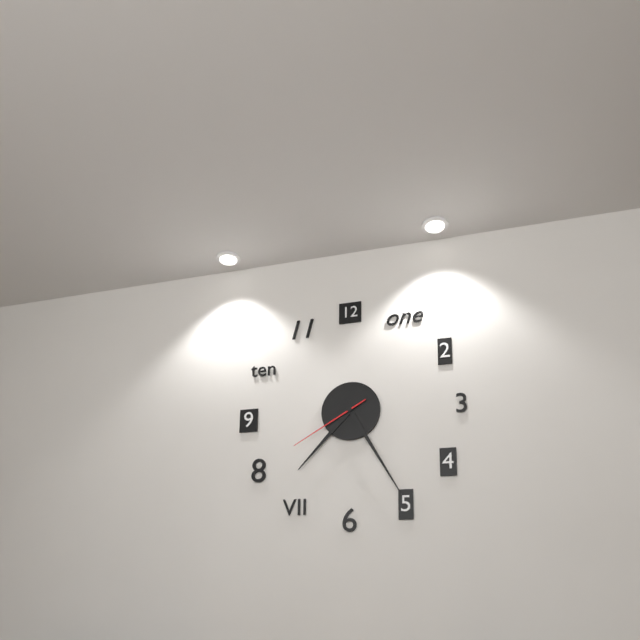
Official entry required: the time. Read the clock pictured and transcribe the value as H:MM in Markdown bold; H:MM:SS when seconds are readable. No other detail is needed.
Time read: **7:25:40**
